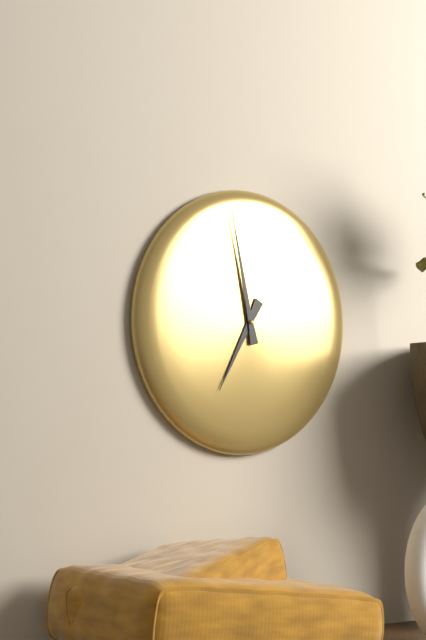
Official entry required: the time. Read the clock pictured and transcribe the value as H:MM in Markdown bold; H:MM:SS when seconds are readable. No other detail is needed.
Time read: **6:58**
